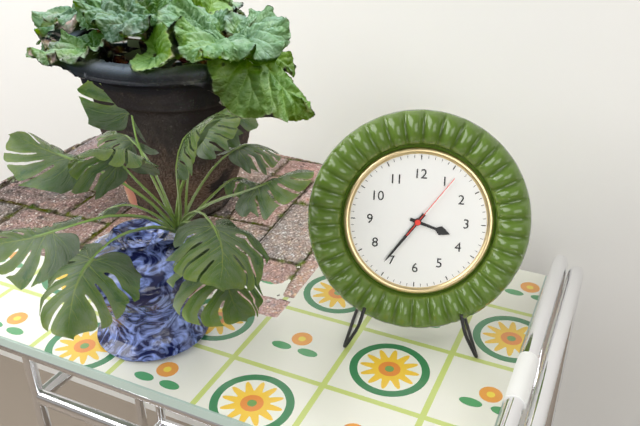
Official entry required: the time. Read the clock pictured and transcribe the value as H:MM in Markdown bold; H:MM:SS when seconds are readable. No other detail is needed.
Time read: **3:36:06**
